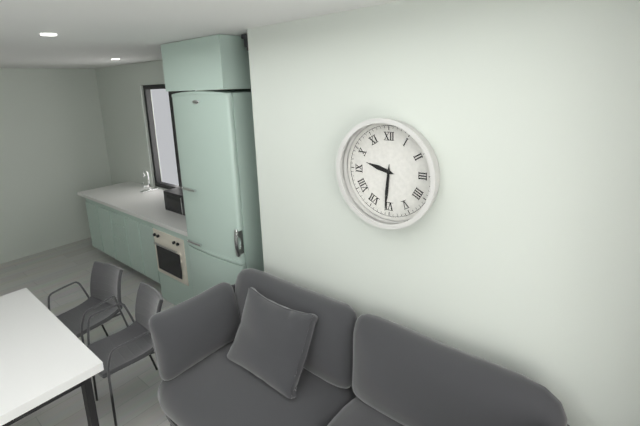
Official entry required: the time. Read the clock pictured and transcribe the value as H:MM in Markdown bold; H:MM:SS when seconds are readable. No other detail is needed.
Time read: **9:31**
